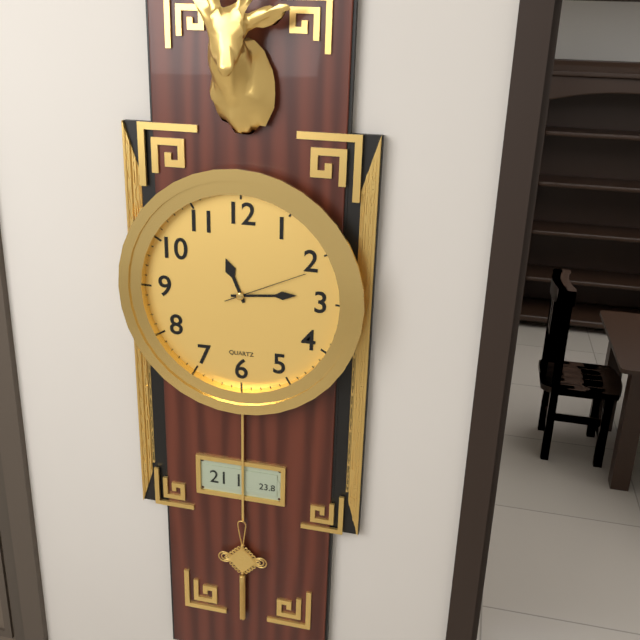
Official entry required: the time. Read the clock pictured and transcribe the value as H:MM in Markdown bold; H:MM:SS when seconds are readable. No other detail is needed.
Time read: **11:14:11**
